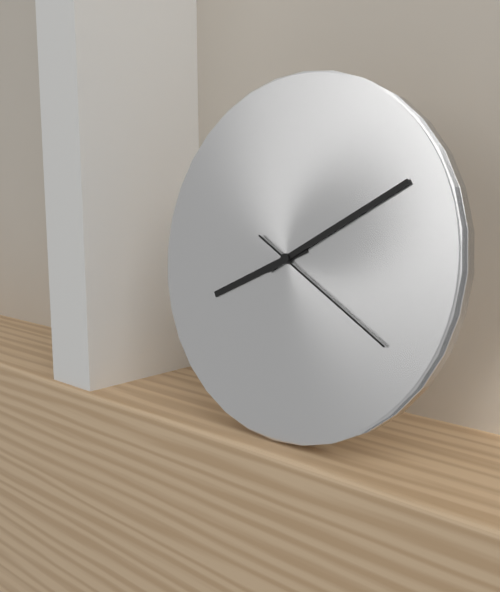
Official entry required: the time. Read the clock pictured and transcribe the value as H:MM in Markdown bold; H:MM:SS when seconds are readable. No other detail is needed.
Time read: **8:10:20**
